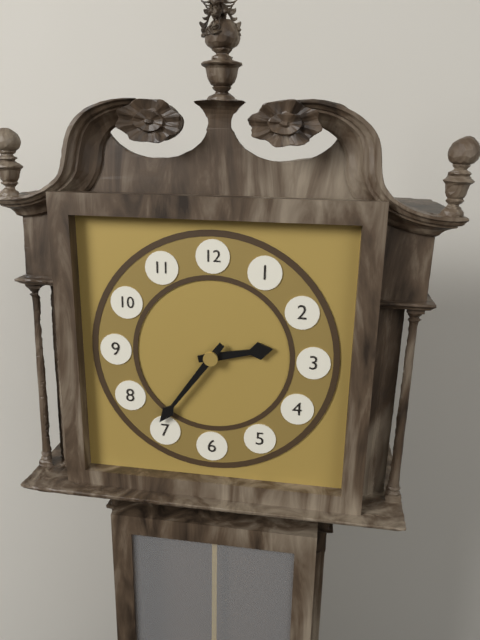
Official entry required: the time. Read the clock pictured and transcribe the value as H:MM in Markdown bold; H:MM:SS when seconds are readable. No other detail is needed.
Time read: **2:36**
